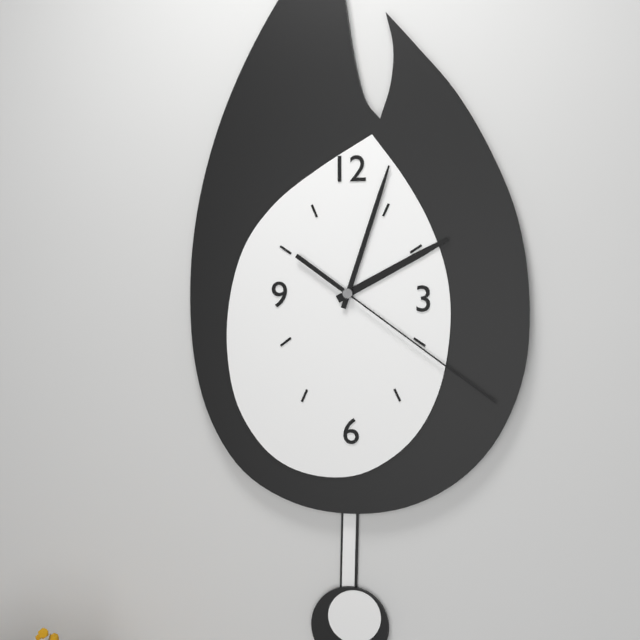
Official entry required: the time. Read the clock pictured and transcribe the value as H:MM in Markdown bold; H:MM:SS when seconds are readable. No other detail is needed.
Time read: **2:03:21**
